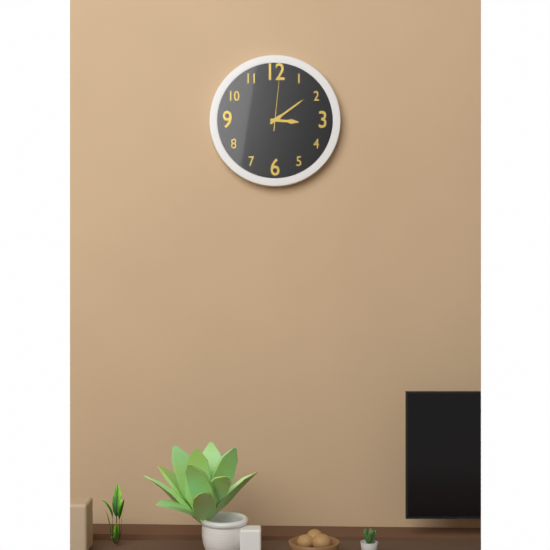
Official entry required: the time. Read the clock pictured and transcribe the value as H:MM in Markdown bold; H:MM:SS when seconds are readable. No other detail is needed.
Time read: **3:09:01**
